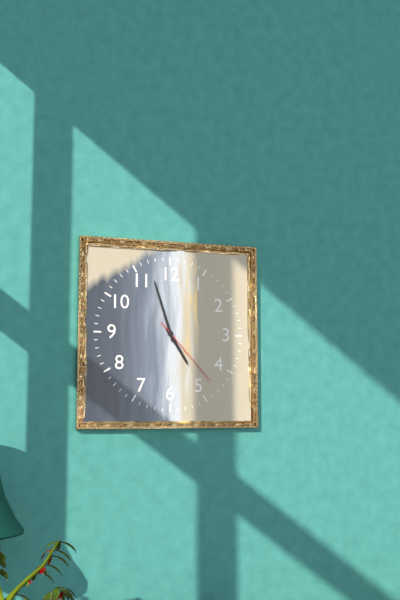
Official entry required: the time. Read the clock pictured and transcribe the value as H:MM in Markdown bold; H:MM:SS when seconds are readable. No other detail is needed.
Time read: **4:57:23**
